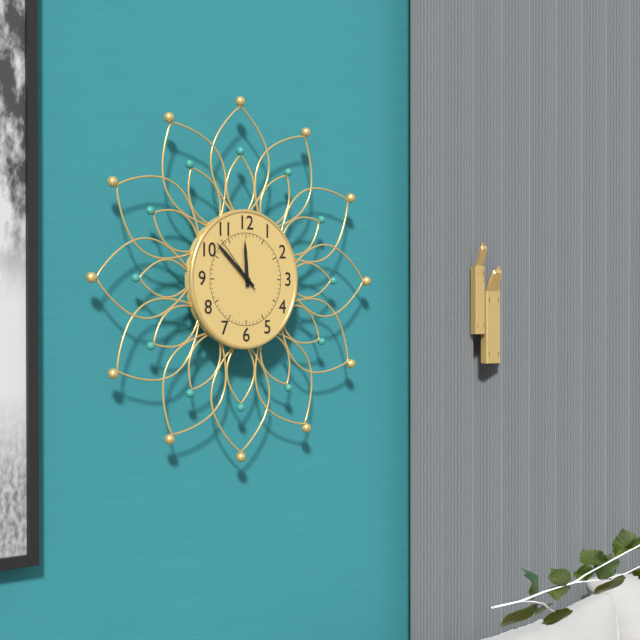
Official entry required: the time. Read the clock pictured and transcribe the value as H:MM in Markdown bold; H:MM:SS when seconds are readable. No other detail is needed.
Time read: **11:52:53**
